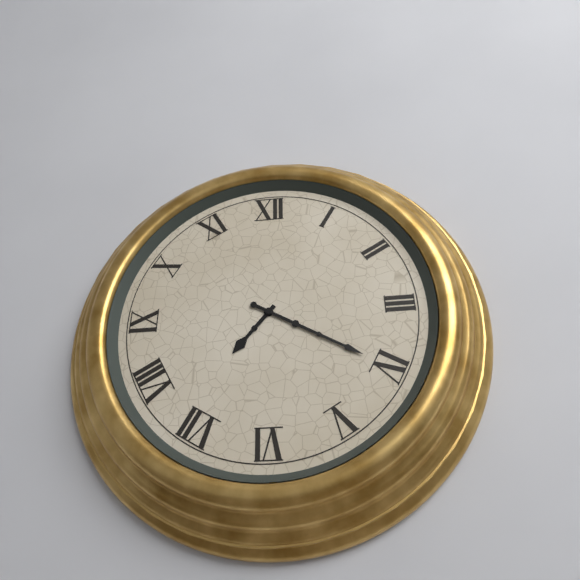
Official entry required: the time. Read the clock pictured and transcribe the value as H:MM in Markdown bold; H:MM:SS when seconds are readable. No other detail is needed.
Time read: **7:20**
